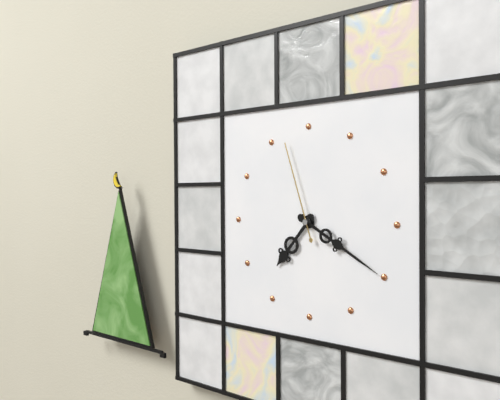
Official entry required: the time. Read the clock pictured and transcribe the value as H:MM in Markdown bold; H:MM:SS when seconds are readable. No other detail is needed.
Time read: **7:20:57**
